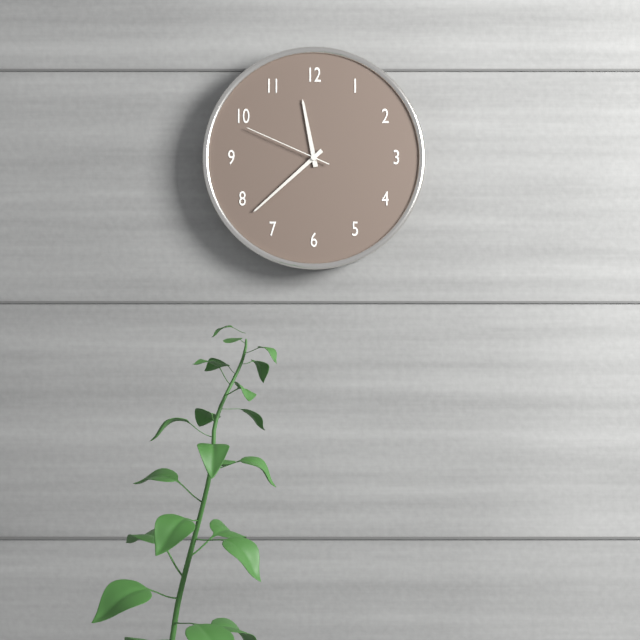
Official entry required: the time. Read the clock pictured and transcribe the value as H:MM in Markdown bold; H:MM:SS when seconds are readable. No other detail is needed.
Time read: **11:38:49**
